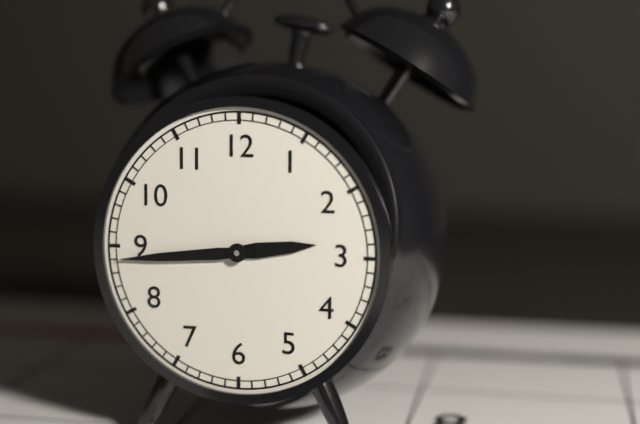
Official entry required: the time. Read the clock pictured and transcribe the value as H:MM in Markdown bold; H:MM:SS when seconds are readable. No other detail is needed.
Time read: **2:44**
